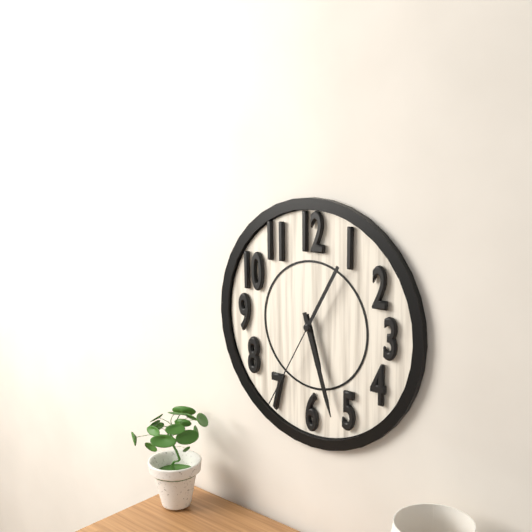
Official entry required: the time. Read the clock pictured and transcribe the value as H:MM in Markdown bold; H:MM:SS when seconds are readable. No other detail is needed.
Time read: **5:27:35**
